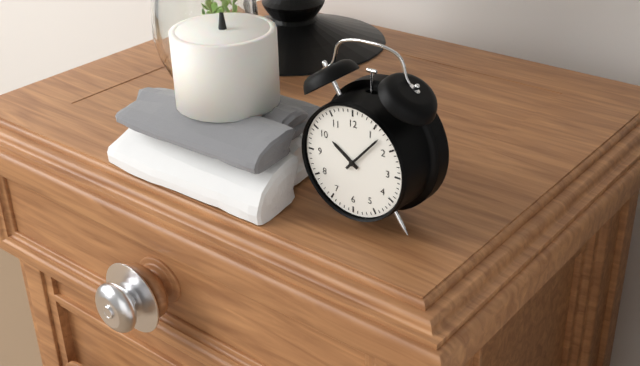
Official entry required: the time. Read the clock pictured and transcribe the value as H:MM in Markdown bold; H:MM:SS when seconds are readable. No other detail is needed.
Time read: **10:07**
